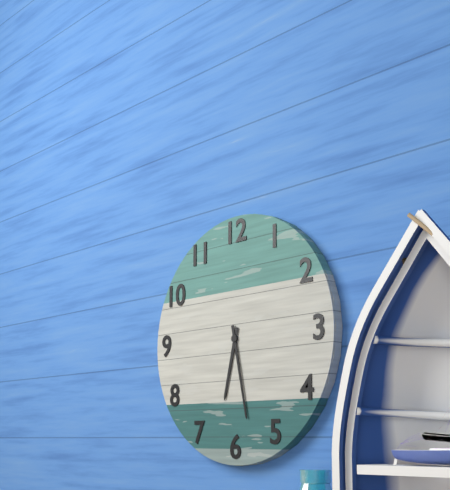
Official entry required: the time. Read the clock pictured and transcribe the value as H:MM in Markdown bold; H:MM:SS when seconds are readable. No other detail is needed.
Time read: **6:28**
